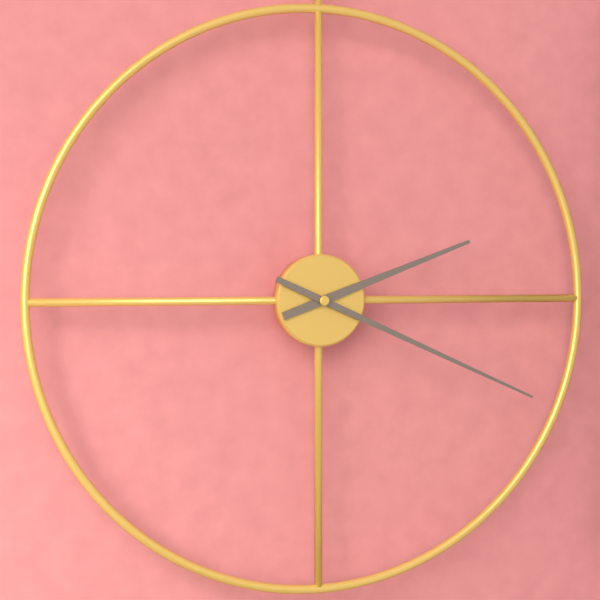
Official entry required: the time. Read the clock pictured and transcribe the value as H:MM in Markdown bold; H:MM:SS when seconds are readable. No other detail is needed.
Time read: **2:19**
